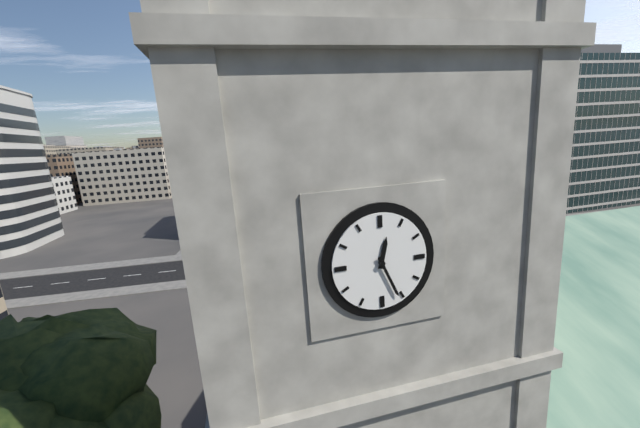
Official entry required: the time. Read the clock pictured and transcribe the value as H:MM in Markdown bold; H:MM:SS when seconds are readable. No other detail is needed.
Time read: **12:26**
